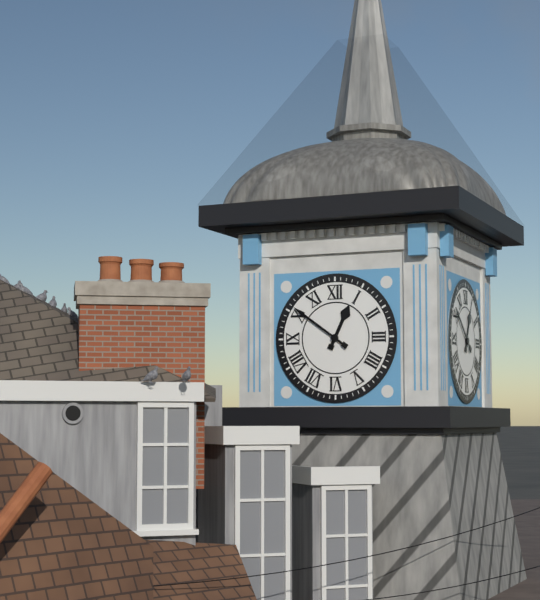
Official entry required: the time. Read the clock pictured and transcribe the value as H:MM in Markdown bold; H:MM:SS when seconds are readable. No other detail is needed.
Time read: **12:51**
